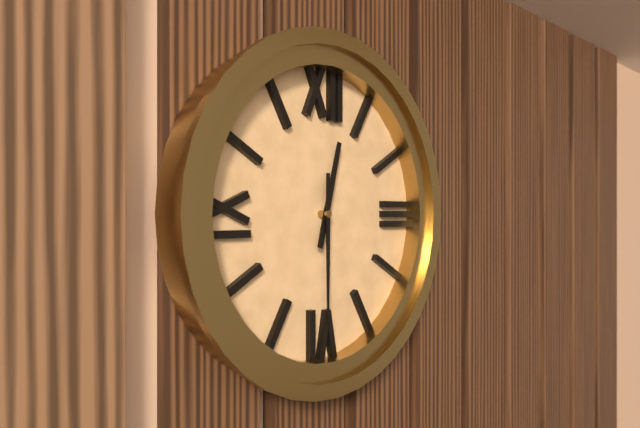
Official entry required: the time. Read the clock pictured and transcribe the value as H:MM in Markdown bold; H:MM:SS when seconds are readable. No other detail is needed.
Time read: **12:30**
